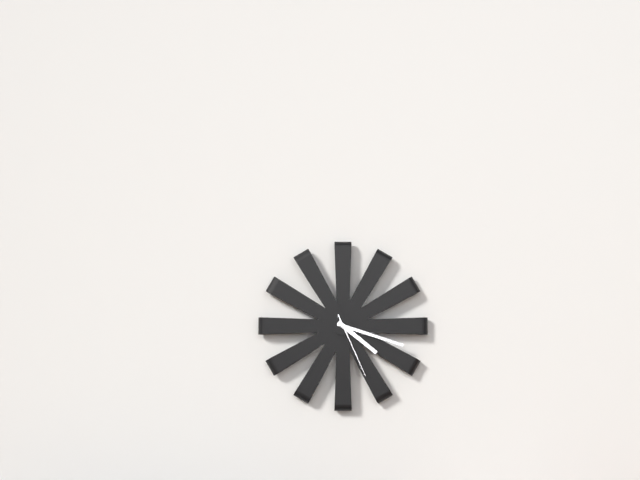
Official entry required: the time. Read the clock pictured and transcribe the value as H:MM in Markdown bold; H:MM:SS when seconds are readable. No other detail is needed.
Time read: **4:18:26**
